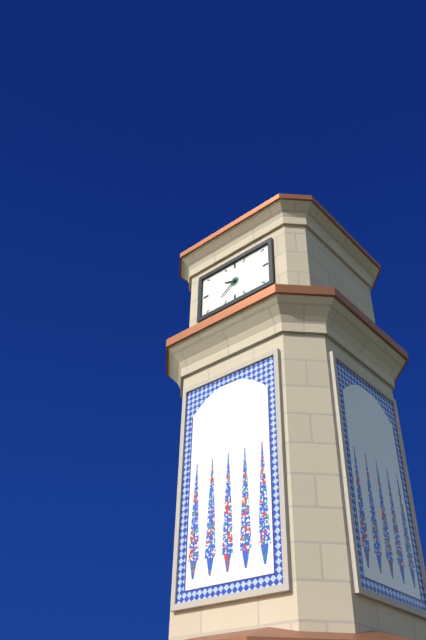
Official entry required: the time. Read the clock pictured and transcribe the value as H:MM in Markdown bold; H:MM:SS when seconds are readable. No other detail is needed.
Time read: **9:39**
